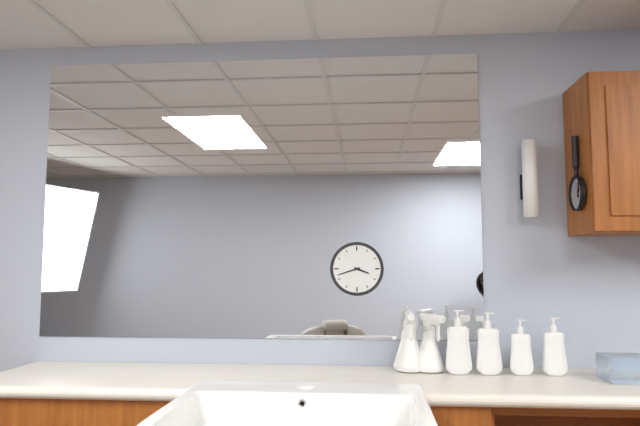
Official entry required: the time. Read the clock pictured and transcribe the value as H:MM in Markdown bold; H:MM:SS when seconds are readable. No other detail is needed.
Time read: **3:42**
